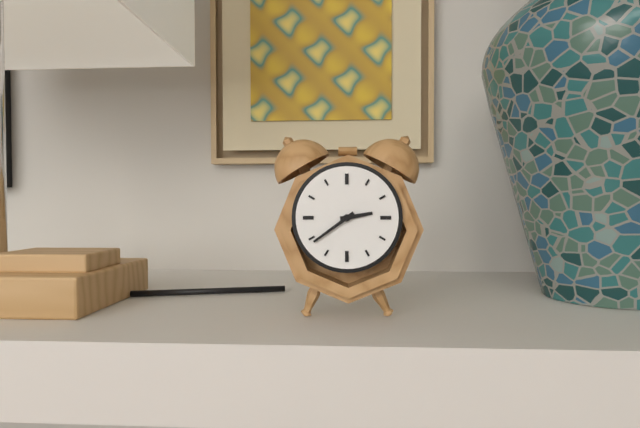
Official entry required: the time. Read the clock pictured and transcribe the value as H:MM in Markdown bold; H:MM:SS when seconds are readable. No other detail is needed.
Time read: **2:39**
